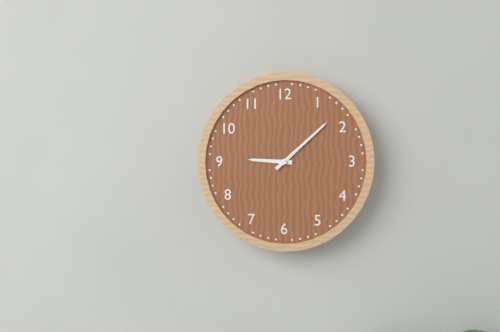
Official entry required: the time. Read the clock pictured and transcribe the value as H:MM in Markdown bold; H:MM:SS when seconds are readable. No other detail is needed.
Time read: **9:08**
